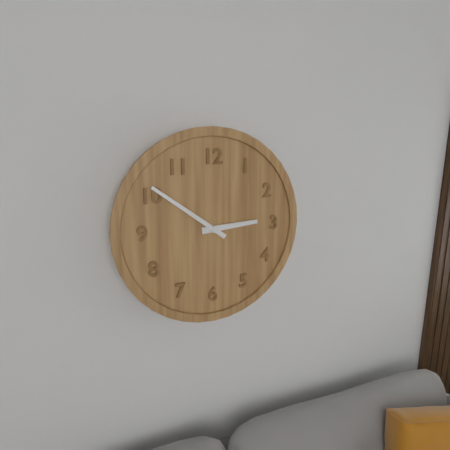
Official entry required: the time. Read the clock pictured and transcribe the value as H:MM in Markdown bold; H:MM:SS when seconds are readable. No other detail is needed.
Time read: **2:51**
